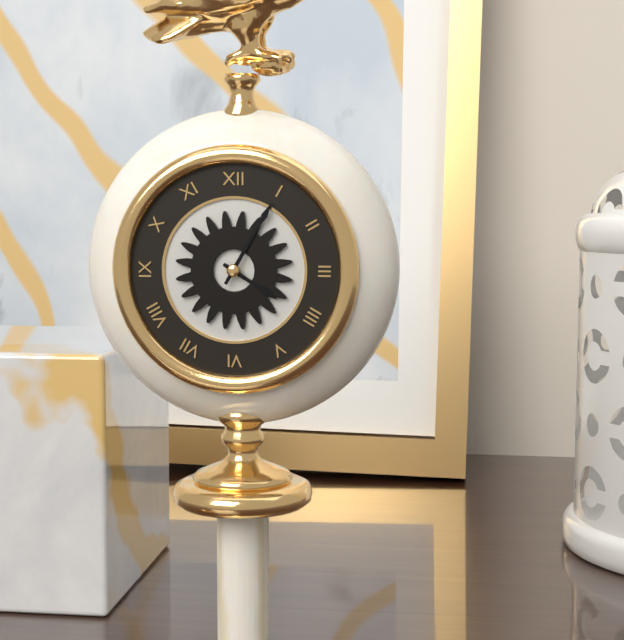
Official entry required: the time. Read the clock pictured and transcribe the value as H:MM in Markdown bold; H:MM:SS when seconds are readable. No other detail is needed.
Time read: **4:05**
